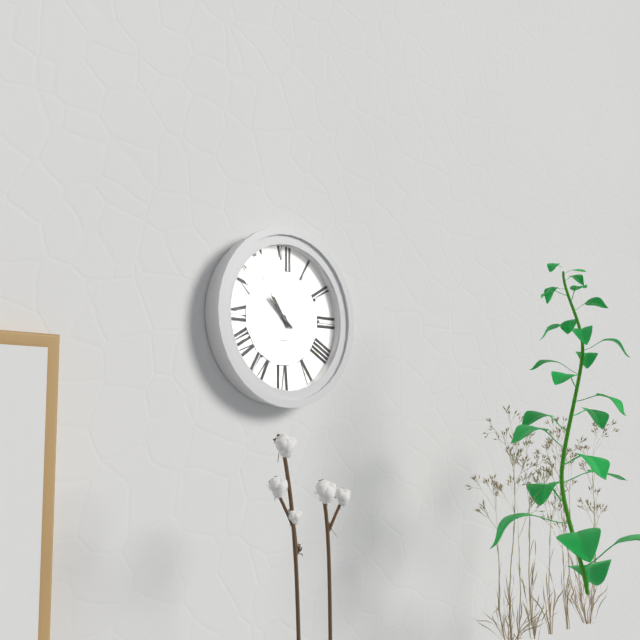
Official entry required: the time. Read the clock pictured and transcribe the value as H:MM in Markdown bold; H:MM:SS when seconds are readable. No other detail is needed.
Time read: **10:52**
